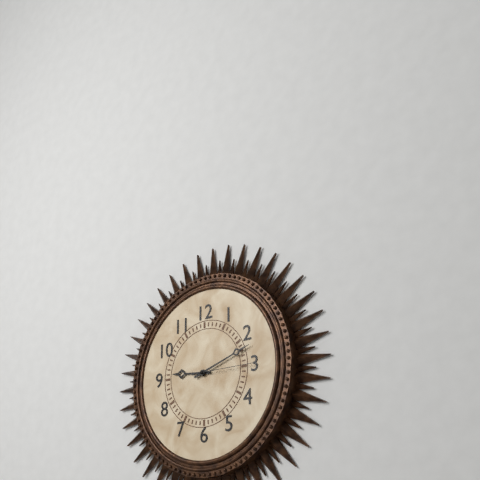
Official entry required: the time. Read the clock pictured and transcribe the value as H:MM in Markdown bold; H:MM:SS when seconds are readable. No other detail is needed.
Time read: **9:12:15**
